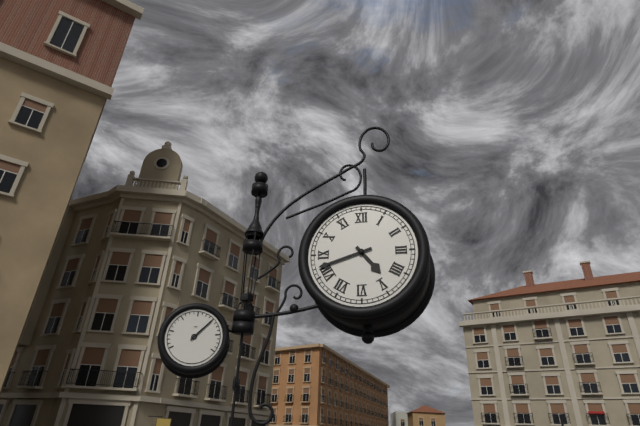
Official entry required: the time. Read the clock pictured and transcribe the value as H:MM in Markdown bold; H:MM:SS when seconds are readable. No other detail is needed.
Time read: **4:42**
